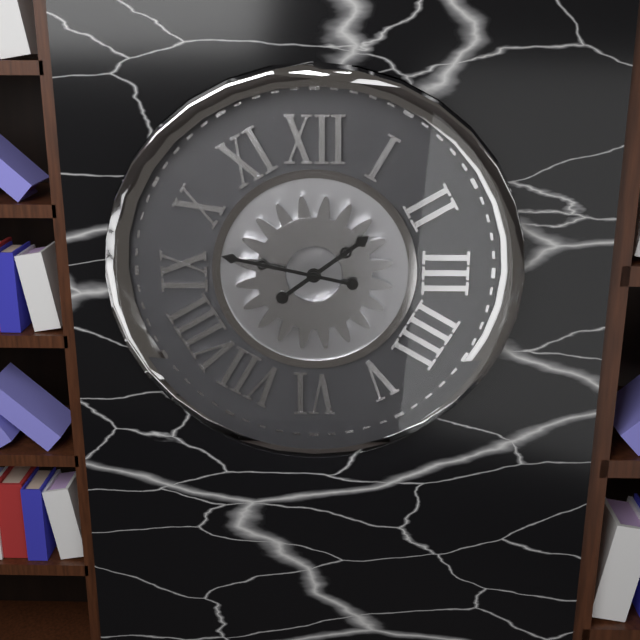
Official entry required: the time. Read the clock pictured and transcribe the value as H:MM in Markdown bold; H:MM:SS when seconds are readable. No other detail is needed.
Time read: **1:47**
